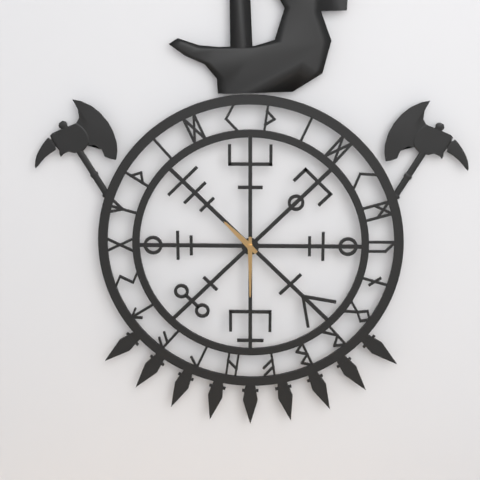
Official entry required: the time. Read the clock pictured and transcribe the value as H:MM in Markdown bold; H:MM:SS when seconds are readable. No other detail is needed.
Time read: **10:30**
